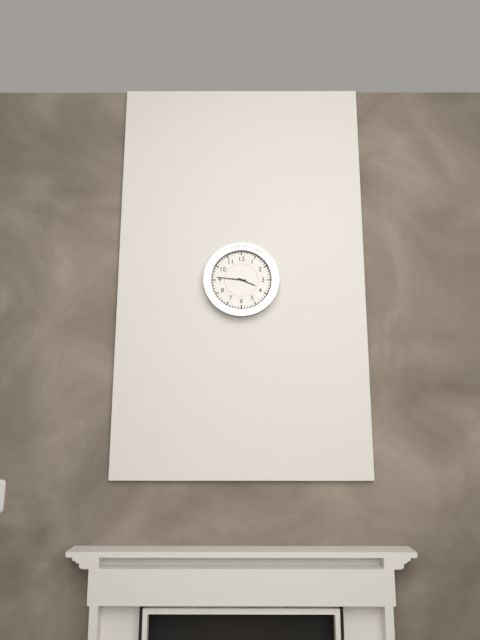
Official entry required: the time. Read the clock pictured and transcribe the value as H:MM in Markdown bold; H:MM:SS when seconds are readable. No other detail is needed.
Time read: **3:46**
